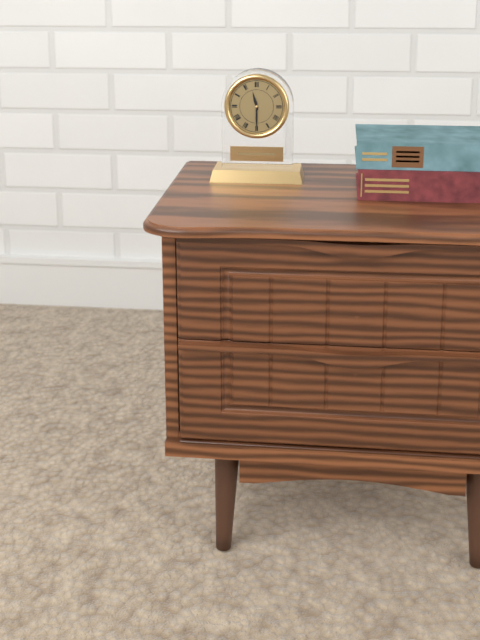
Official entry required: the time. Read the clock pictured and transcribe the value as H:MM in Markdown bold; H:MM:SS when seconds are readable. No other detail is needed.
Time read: **11:30**
